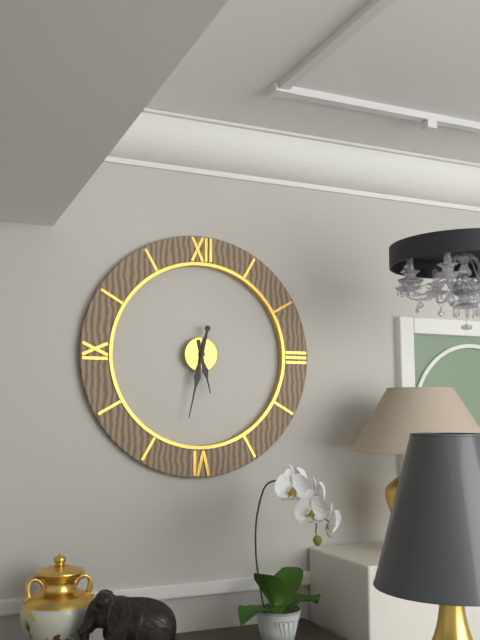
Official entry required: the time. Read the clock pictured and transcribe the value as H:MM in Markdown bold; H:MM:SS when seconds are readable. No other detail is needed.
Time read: **5:32**
